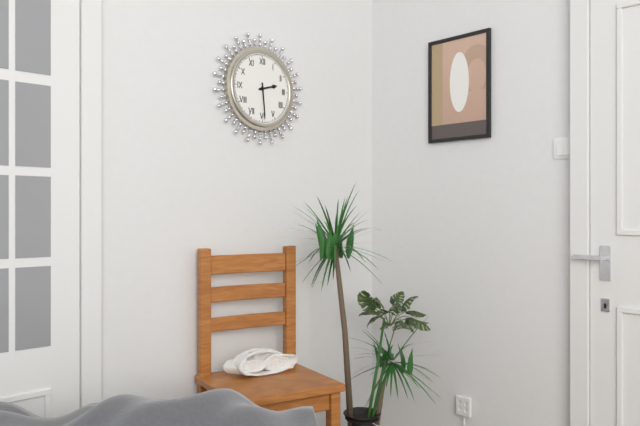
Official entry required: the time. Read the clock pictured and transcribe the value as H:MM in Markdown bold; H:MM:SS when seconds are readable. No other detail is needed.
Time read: **2:29**
